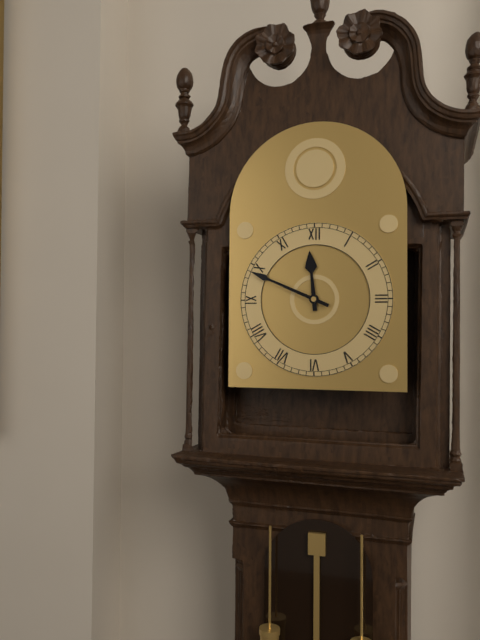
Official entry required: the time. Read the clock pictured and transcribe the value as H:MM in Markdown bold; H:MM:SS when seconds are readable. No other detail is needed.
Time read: **11:49**
